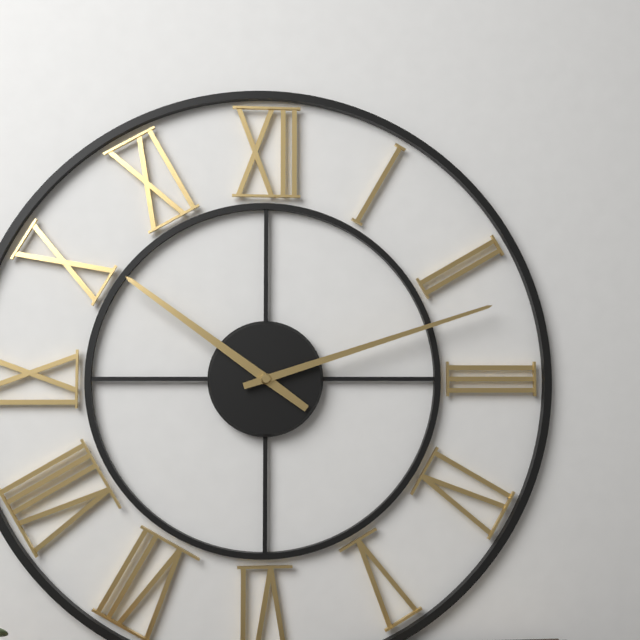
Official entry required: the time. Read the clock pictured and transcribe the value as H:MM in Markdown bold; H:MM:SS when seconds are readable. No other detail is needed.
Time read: **10:12**
